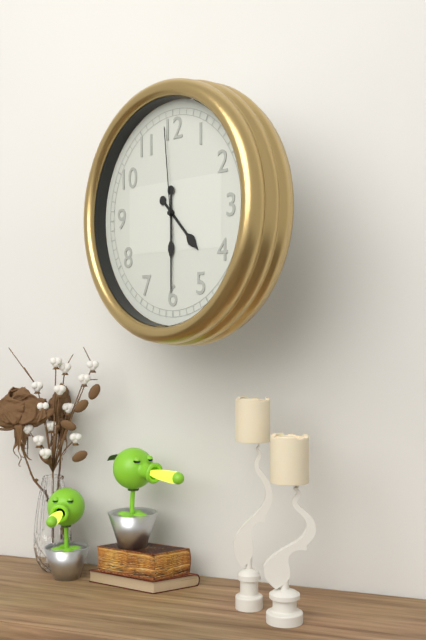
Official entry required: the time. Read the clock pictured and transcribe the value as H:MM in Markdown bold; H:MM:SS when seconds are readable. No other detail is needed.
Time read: **4:30:59**
